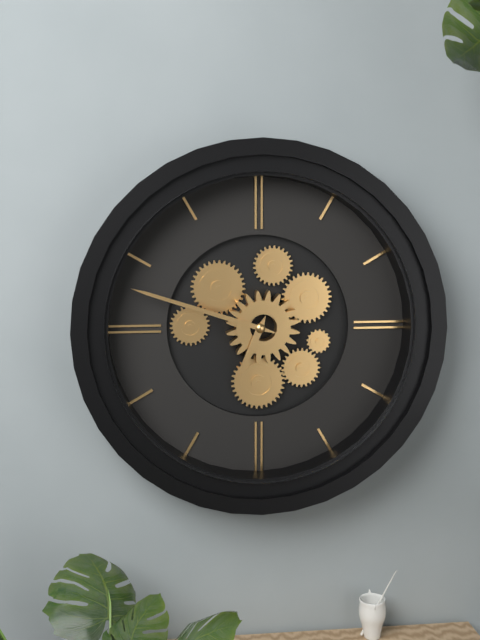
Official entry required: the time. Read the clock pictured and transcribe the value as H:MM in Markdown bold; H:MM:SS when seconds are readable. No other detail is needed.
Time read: **6:48**
